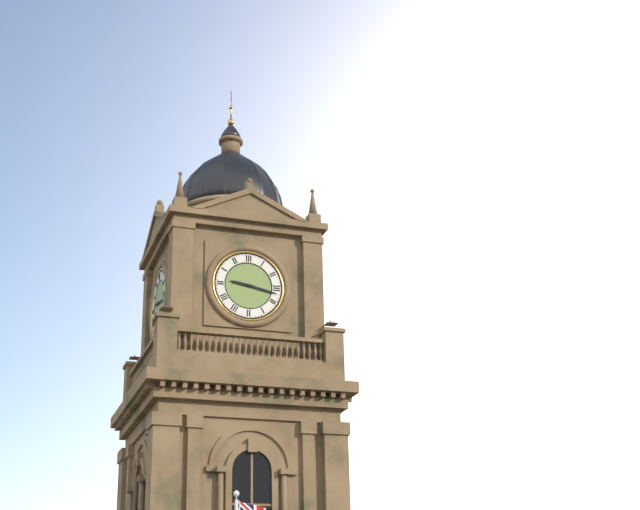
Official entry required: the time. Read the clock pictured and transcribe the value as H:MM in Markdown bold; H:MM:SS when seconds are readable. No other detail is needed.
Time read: **9:17**
